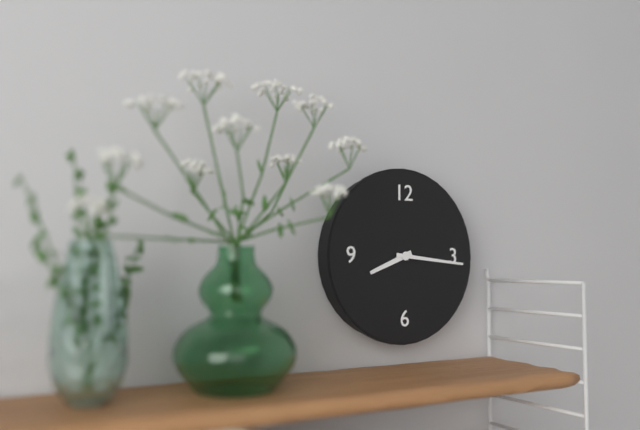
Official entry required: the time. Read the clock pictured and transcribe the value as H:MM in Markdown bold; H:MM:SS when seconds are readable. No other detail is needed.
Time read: **8:16**
